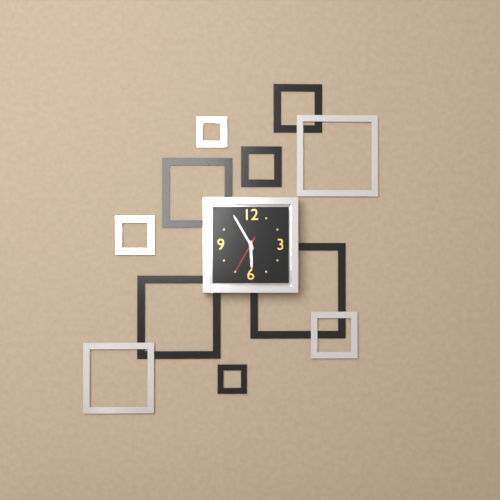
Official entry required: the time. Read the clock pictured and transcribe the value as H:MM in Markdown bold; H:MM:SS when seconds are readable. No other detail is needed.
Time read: **5:55**
